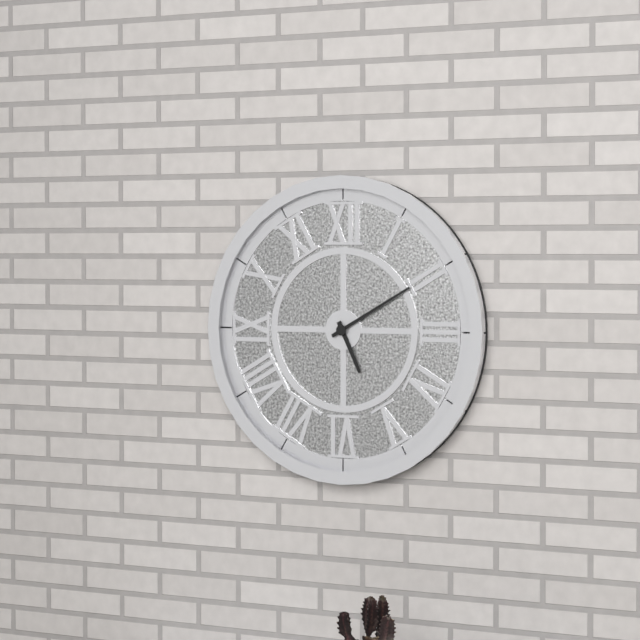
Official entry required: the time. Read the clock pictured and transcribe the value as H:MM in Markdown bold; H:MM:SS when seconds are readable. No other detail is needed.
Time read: **5:10**
